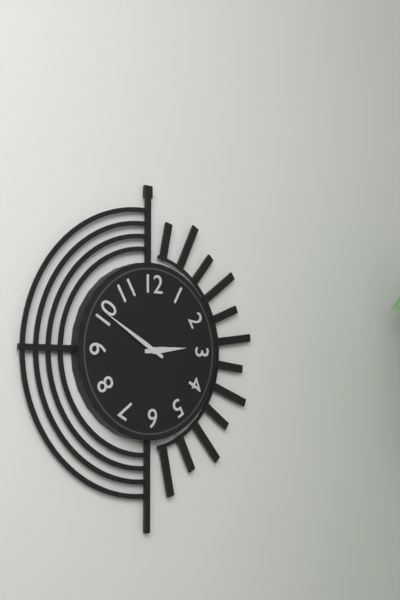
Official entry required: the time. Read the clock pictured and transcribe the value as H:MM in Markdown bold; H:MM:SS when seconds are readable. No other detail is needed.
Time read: **2:50**
